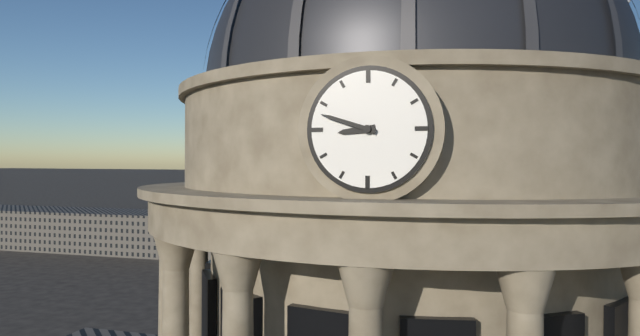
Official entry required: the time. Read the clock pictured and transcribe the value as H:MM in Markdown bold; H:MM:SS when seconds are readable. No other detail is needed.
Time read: **8:48**
